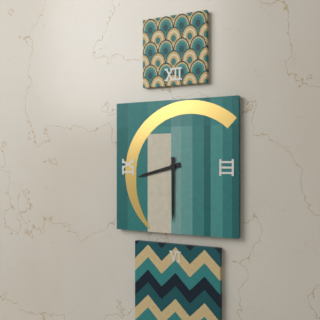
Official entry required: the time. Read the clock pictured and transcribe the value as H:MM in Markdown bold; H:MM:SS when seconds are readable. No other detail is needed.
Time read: **8:30**
